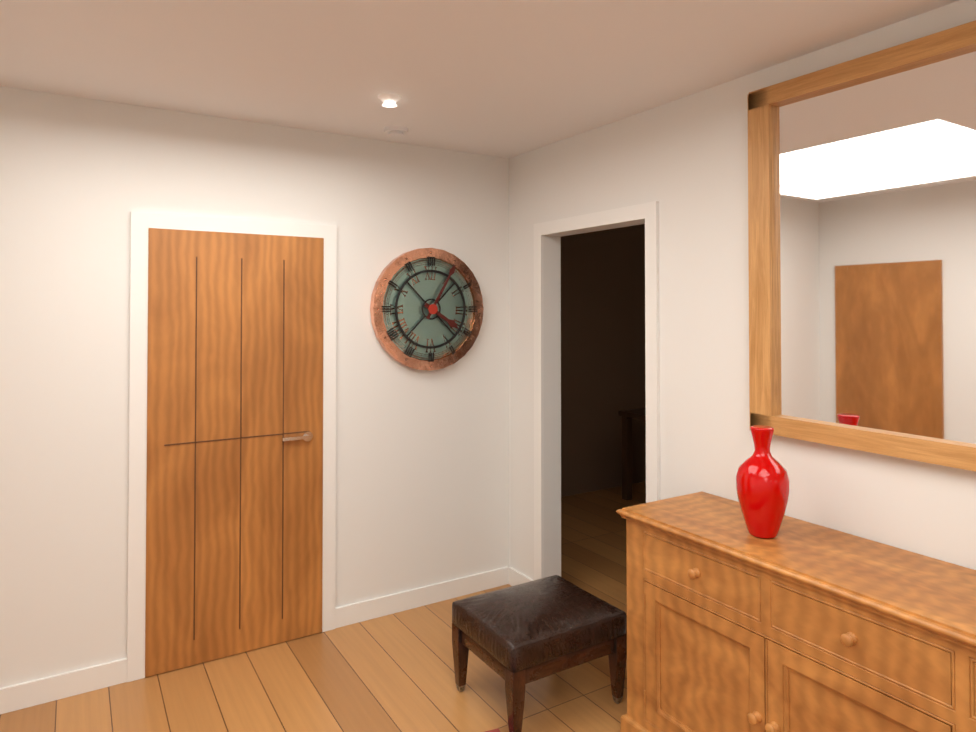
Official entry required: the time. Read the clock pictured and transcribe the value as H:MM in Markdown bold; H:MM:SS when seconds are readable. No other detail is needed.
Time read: **4:05**
